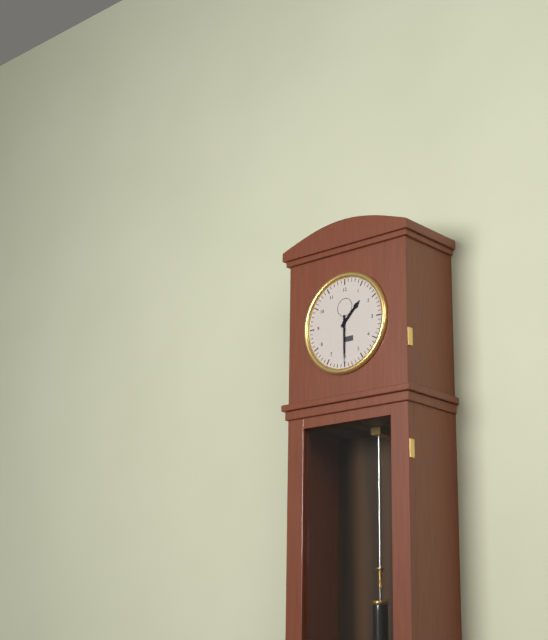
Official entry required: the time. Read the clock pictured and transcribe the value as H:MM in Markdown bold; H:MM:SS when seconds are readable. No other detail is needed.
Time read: **1:30**
